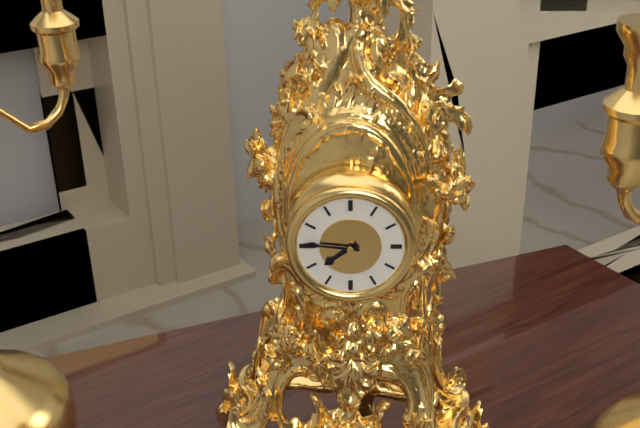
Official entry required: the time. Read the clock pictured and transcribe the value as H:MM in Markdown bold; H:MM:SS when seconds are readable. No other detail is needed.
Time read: **7:46**
